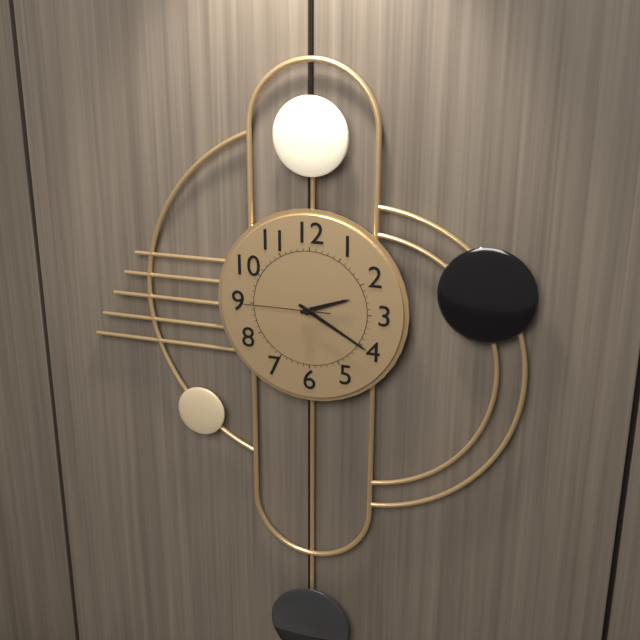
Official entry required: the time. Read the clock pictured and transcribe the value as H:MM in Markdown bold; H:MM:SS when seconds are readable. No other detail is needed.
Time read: **2:20:45**
